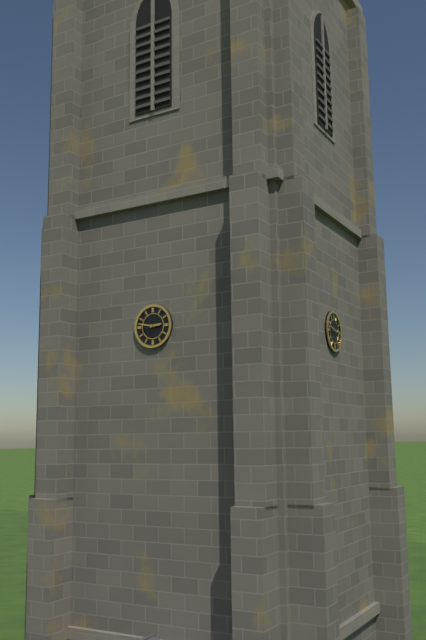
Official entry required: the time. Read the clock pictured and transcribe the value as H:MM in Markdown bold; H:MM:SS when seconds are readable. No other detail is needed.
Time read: **2:47**
